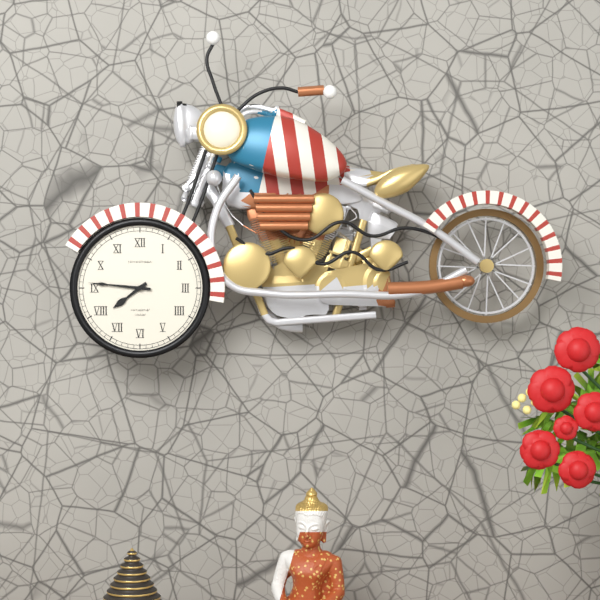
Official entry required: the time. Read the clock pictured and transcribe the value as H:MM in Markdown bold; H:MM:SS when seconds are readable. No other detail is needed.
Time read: **7:46**
